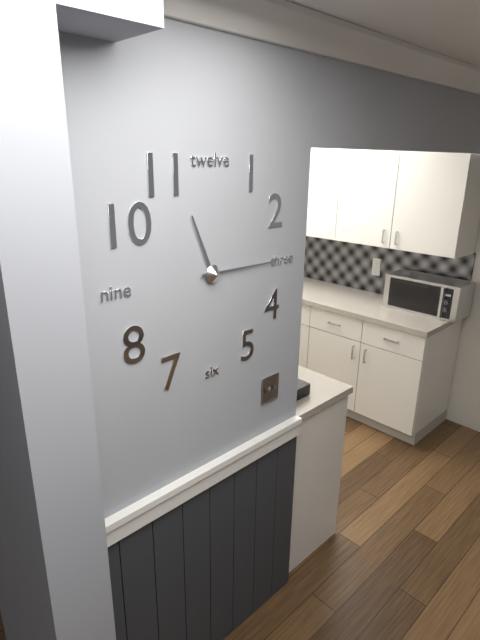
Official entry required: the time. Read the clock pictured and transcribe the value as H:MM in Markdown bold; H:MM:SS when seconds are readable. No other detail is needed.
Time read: **11:15**
